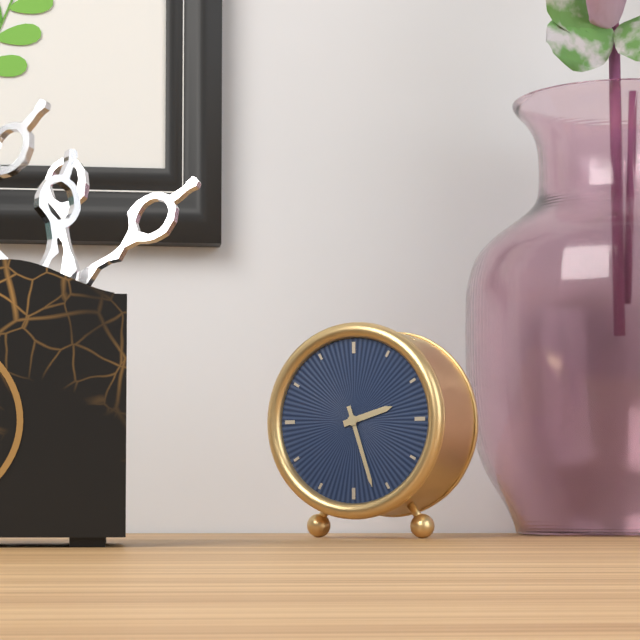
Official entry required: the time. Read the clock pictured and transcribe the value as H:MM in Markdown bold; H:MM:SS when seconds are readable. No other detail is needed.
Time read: **2:27**
